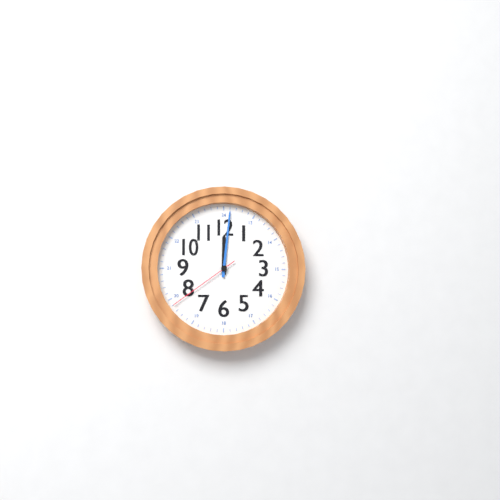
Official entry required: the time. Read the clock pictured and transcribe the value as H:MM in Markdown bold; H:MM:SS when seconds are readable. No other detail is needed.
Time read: **12:01:39**
